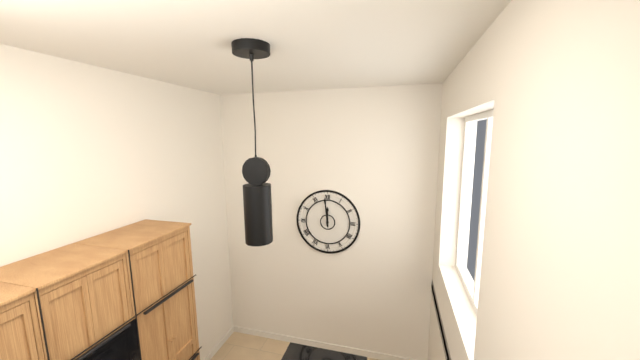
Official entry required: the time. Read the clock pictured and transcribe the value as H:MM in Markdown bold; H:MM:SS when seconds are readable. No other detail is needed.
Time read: **11:59**
